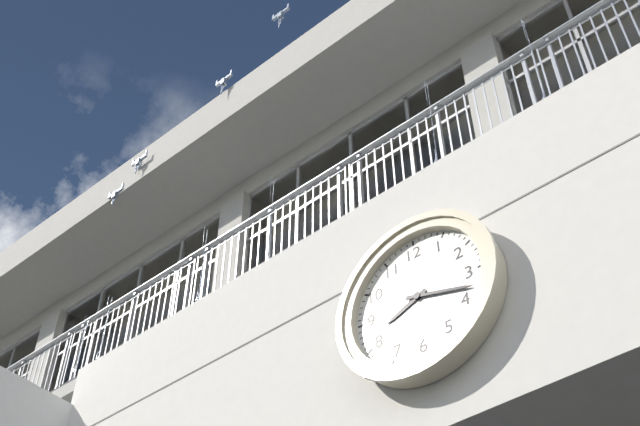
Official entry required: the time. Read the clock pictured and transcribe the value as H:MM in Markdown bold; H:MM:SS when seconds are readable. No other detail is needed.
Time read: **8:18**
